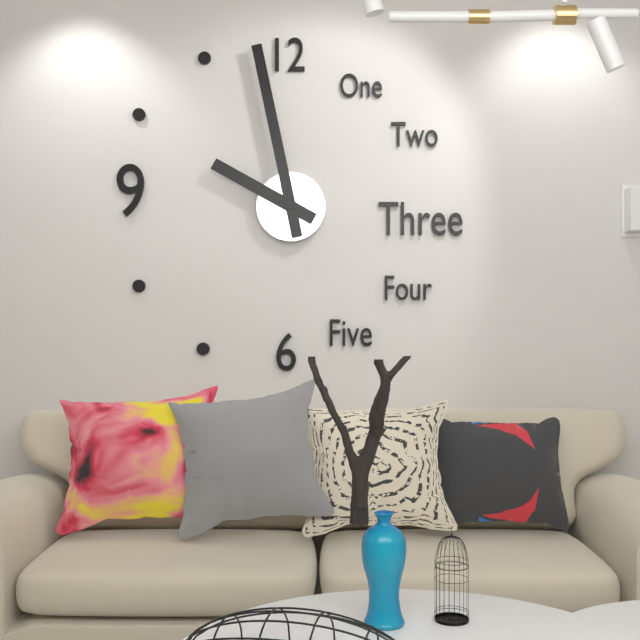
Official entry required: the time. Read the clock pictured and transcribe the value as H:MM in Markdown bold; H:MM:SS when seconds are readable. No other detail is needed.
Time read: **9:58**
